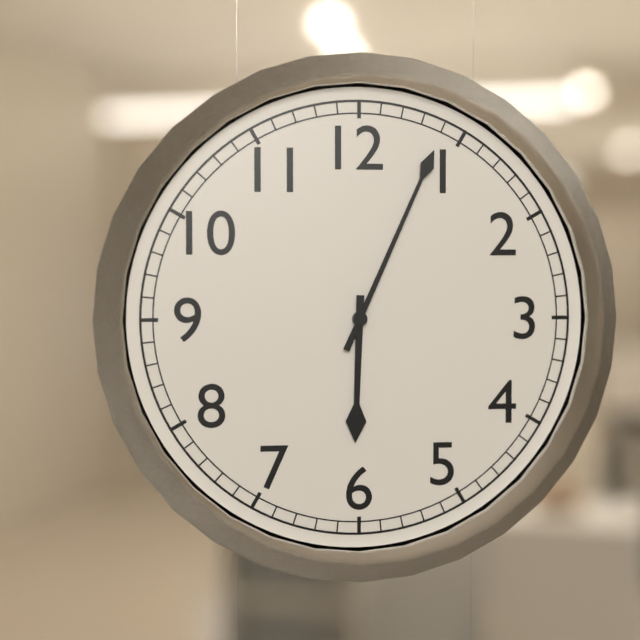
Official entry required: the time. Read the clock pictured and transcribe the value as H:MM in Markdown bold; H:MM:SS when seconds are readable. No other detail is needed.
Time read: **6:04**
